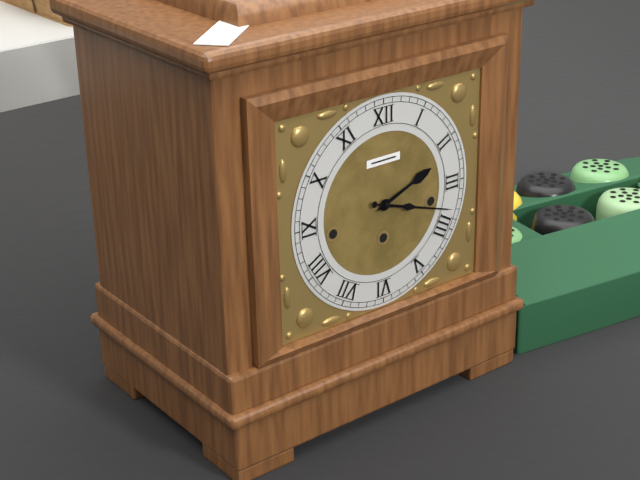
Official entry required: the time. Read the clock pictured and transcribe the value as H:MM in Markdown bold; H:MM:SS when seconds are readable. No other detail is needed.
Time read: **2:18**
